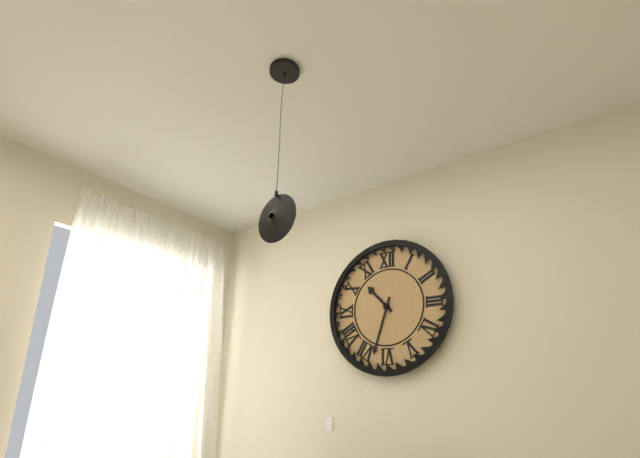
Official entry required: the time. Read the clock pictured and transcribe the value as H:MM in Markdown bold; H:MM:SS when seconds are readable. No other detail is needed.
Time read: **10:33**
